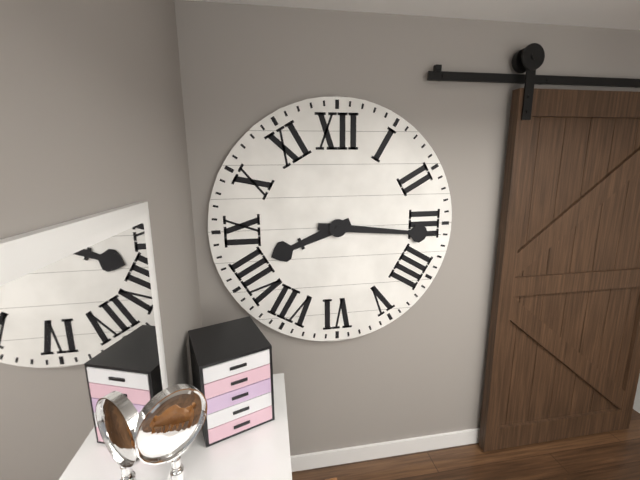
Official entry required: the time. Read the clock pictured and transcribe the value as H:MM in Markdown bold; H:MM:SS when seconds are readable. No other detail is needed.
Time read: **8:16**
